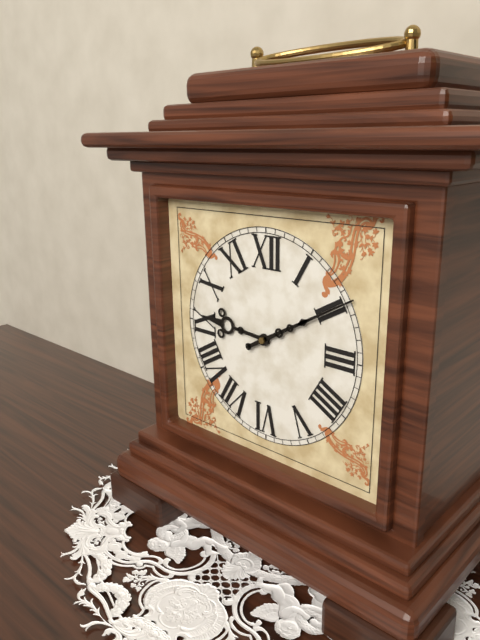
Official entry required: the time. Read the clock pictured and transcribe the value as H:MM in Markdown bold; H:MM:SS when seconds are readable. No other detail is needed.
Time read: **9:10**
